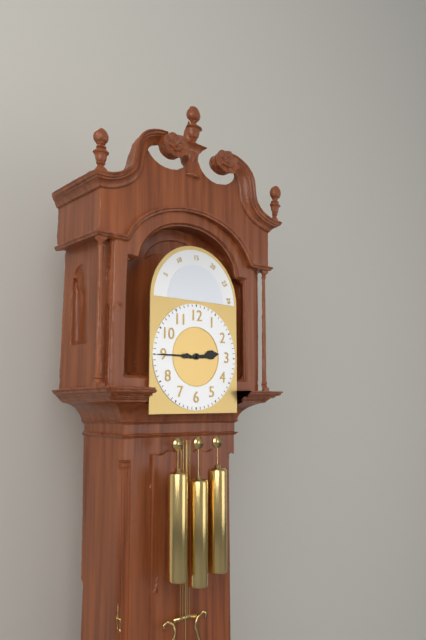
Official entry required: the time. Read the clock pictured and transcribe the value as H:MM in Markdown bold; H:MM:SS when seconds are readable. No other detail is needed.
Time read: **2:45**
